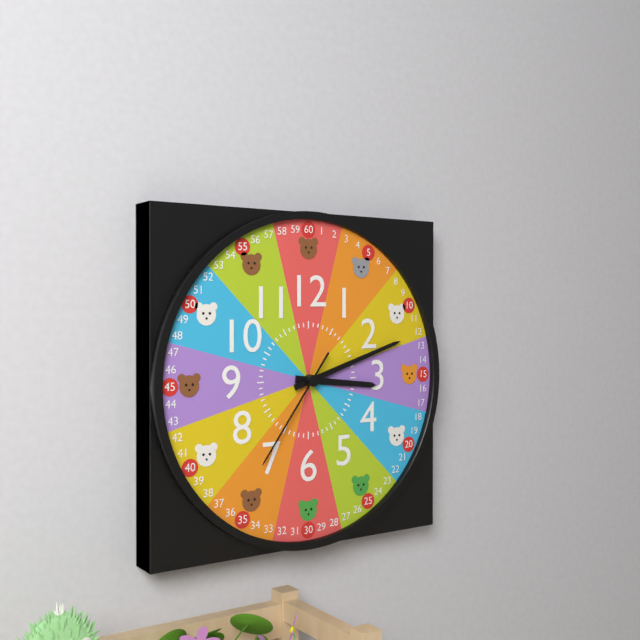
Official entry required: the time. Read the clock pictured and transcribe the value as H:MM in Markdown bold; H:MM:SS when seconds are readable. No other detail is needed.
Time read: **3:12:36**
